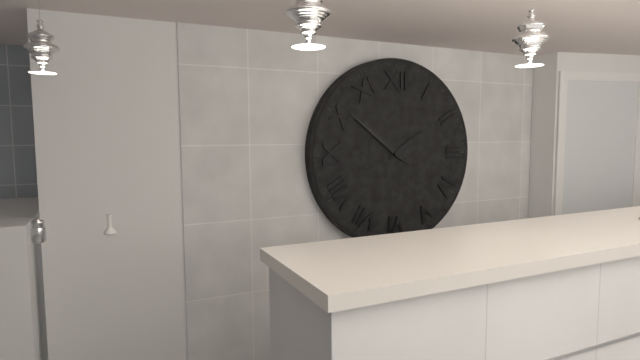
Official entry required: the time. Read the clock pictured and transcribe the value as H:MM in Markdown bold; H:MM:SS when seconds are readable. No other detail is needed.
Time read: **1:51**
